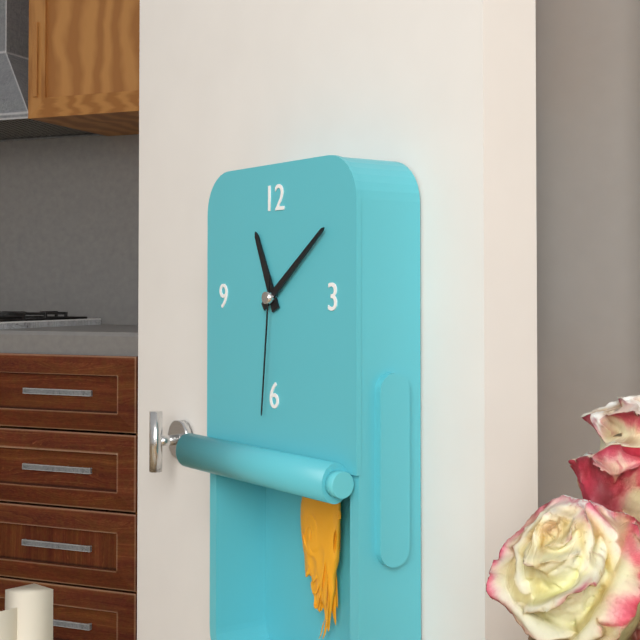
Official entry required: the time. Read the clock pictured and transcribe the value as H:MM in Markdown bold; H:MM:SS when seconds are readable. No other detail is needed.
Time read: **11:09:31**
